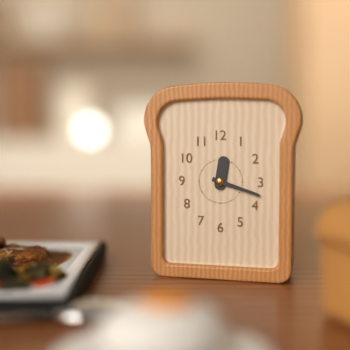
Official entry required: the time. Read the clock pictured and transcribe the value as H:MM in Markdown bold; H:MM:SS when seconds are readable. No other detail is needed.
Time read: **12:18**
